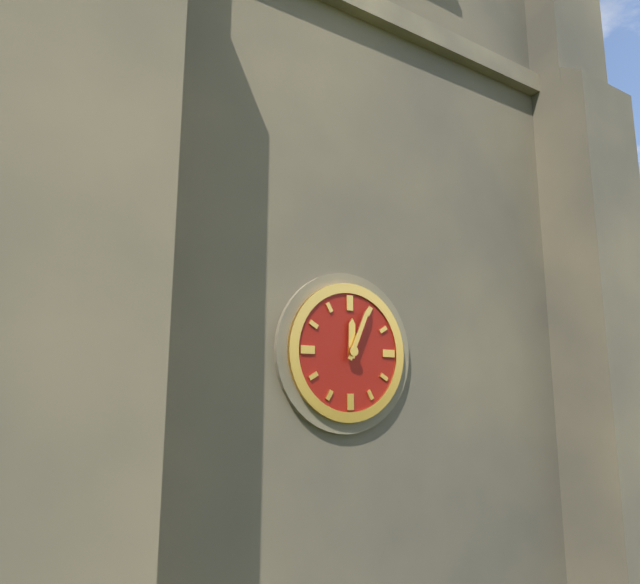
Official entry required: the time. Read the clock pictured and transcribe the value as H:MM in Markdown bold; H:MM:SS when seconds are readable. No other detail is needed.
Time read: **12:04**
